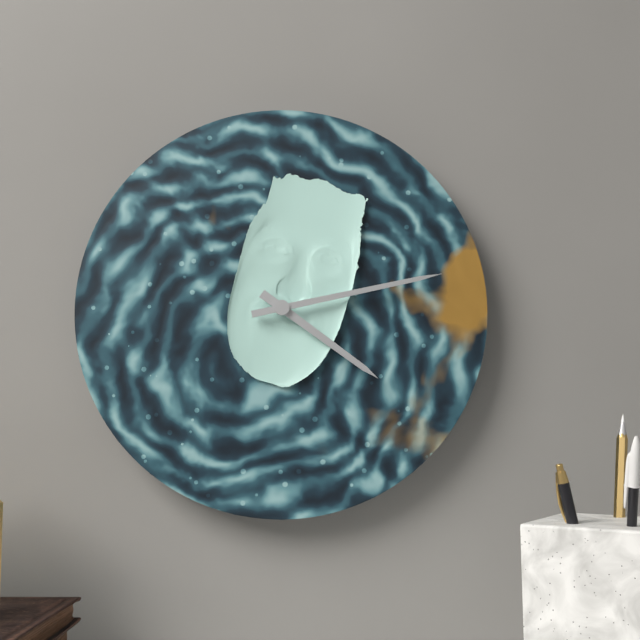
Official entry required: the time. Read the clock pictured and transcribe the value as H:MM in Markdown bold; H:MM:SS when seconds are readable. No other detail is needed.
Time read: **4:13**
